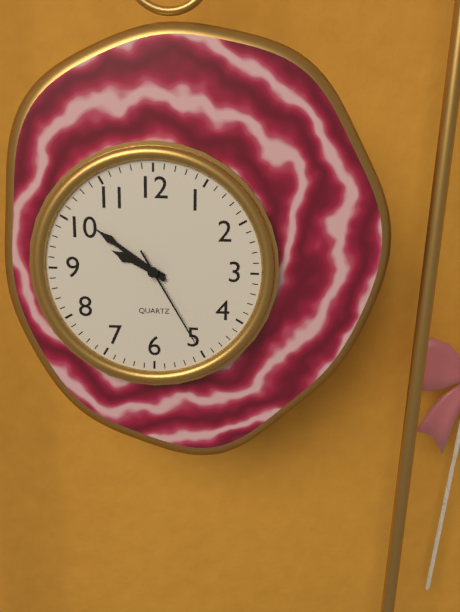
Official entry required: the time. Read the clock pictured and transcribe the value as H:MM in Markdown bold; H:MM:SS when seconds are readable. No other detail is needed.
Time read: **9:51:25**
